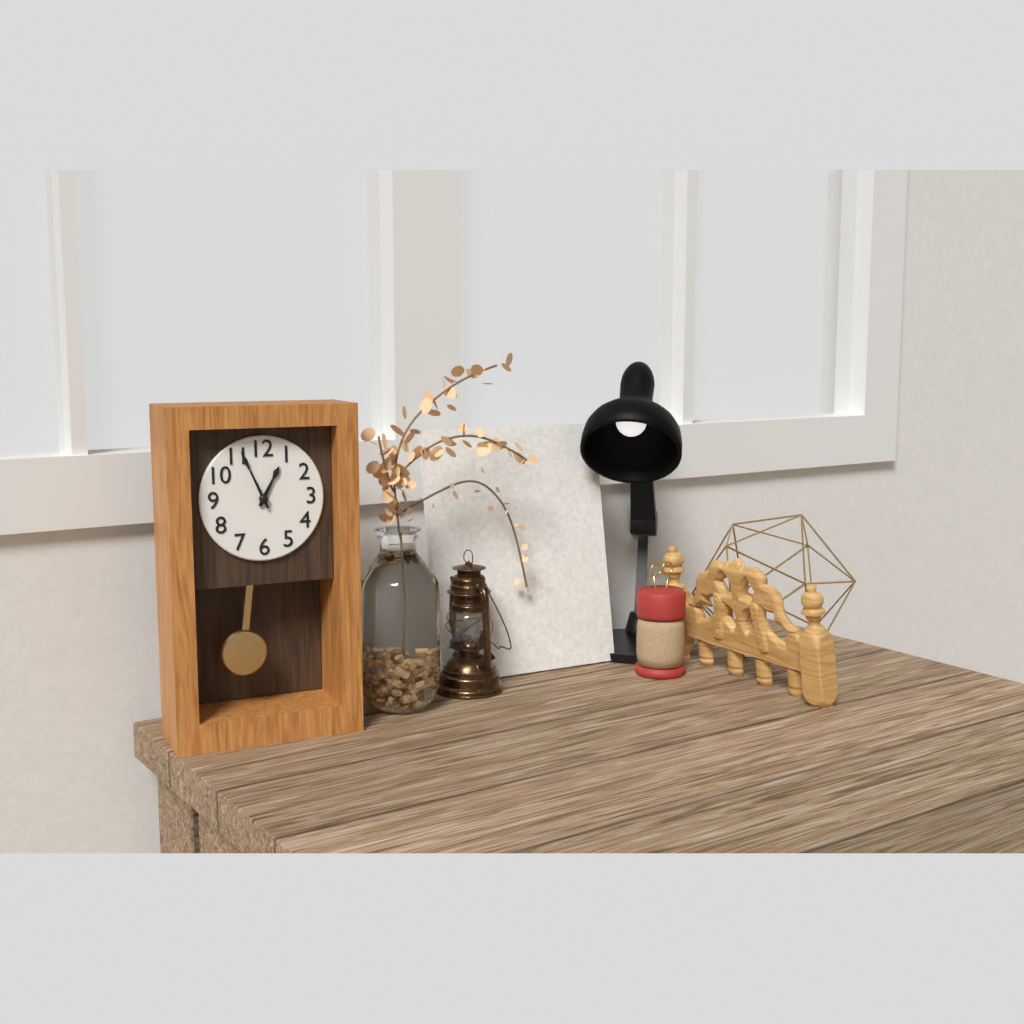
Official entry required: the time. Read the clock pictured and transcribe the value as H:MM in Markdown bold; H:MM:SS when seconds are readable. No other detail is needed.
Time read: **12:56**
